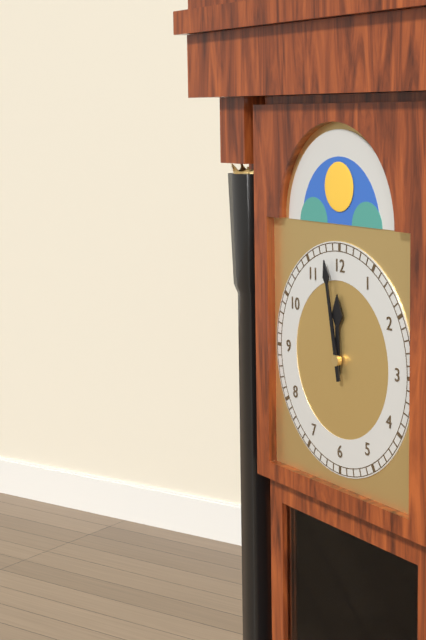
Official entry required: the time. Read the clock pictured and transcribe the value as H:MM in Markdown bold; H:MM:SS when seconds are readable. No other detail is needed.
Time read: **11:58**
